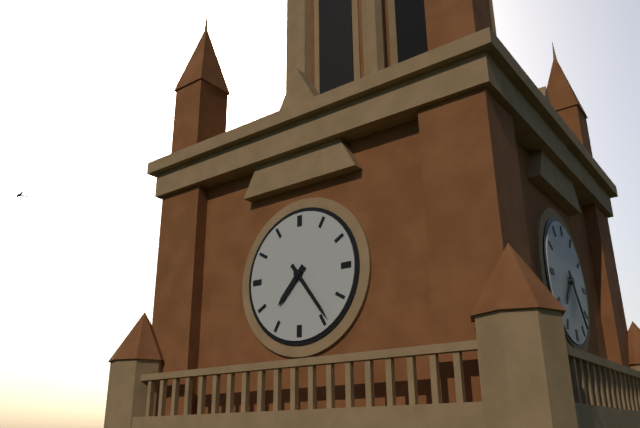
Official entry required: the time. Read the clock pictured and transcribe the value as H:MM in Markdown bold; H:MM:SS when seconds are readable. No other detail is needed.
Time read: **7:24**
